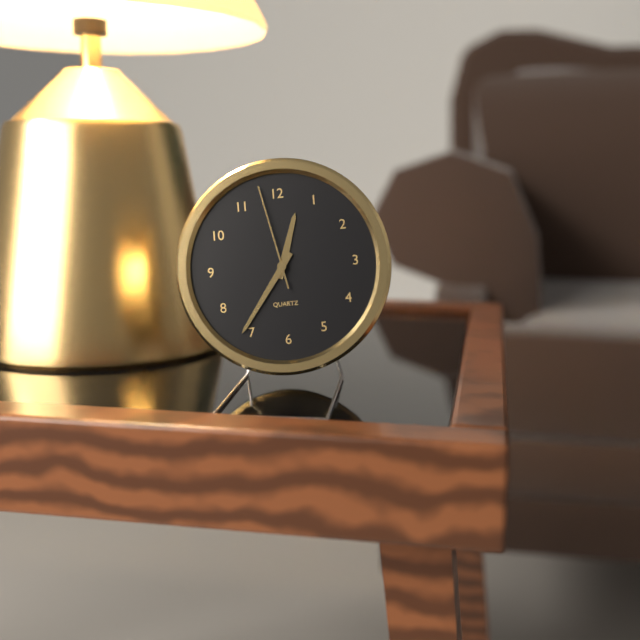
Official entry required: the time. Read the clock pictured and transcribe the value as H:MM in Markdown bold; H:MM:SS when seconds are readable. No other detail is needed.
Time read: **12:36:58**
